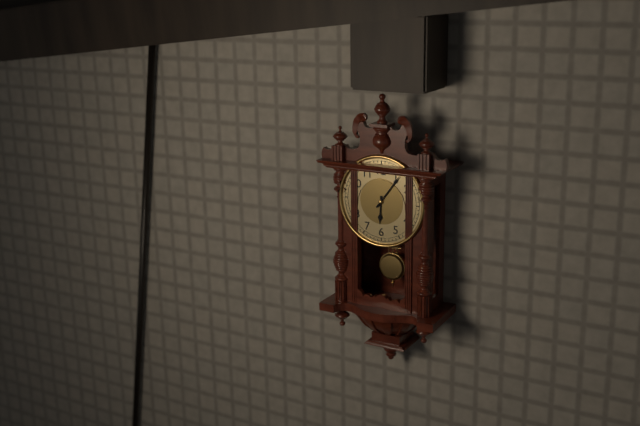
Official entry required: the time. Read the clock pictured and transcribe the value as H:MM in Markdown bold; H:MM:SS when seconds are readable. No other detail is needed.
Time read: **6:06**
